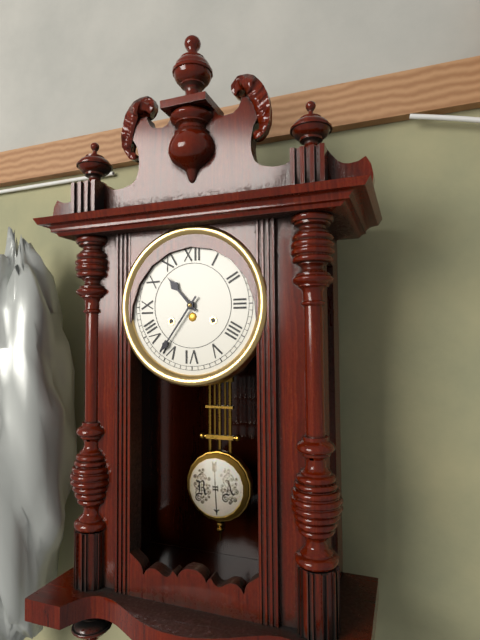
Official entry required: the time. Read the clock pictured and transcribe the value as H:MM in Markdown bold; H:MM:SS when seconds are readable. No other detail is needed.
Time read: **10:36**
